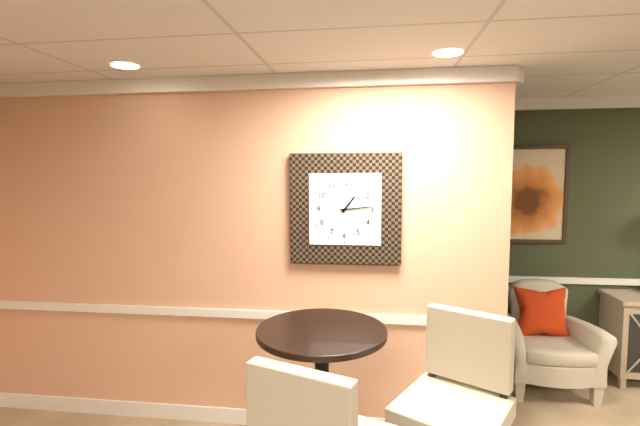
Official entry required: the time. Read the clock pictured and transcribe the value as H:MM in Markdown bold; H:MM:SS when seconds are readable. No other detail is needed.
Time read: **1:14**
